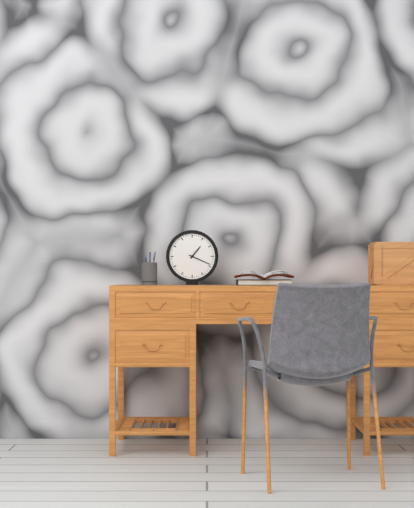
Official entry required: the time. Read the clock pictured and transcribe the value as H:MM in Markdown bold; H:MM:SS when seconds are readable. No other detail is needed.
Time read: **1:19**
